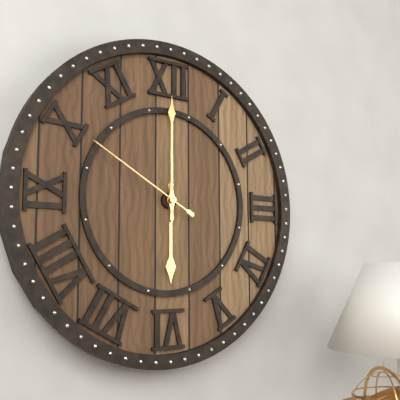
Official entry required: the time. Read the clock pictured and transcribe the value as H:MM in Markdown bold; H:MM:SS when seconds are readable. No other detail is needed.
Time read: **6:00:50**
